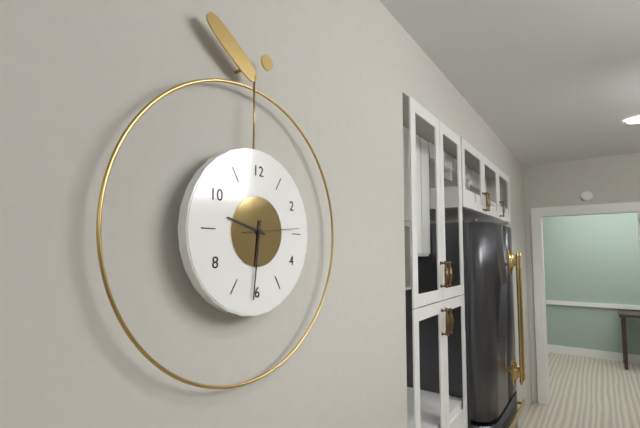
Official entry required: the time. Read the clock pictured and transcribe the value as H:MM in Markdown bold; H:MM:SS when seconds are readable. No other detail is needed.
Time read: **9:31:14**
